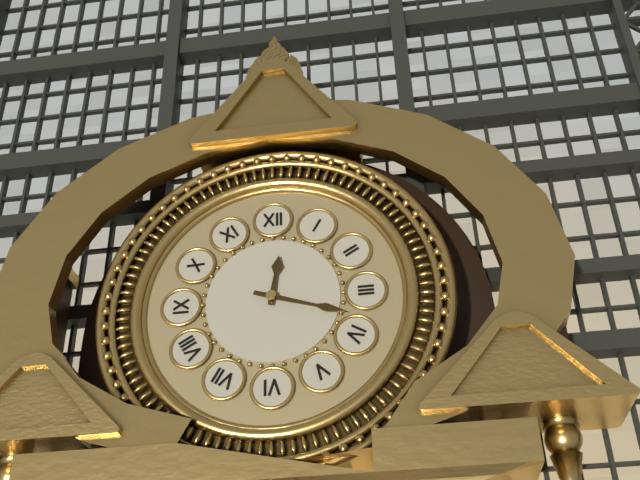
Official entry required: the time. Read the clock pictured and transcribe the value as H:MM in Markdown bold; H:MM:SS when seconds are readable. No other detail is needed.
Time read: **12:18**
